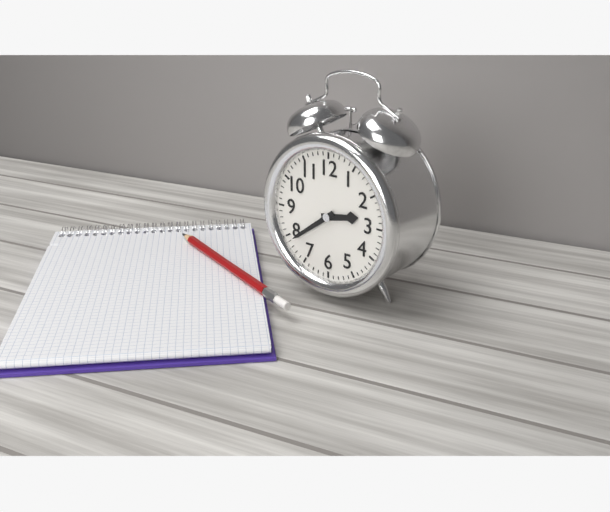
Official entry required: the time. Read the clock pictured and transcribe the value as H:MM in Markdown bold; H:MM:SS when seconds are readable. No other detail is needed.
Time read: **2:39**
